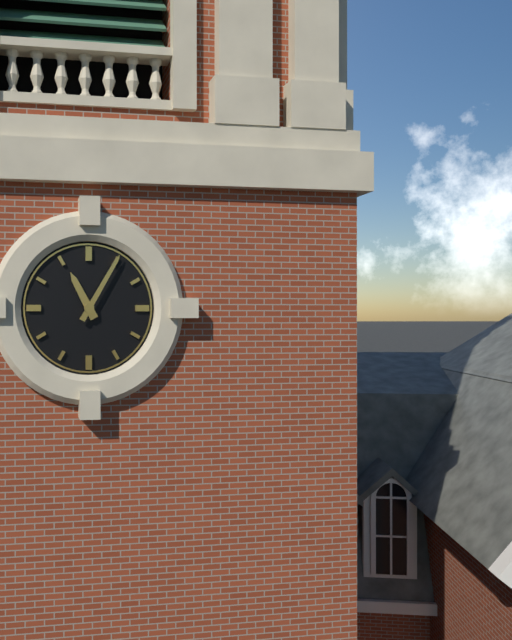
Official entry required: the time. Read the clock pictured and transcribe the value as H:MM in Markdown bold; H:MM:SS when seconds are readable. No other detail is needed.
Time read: **11:05**
